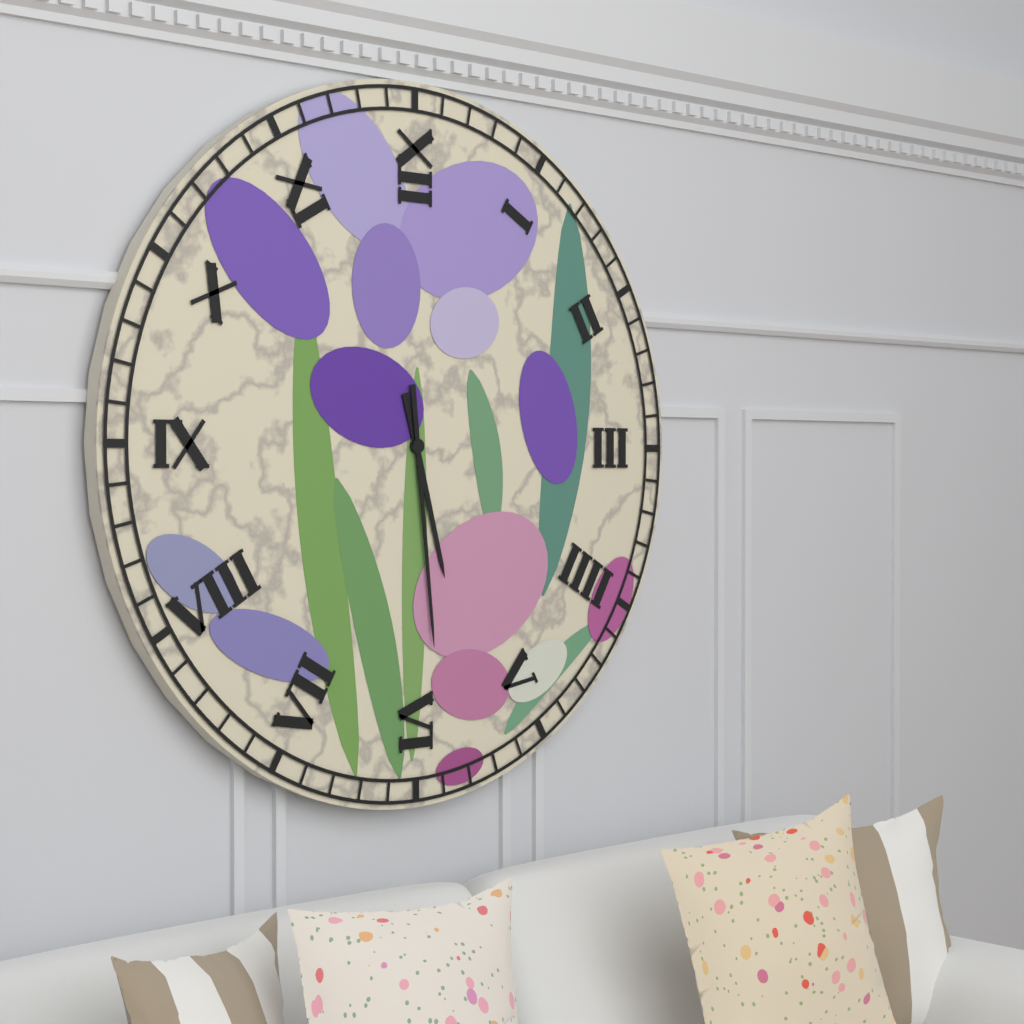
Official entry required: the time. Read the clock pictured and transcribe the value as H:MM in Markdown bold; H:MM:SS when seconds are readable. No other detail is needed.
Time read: **5:29**
